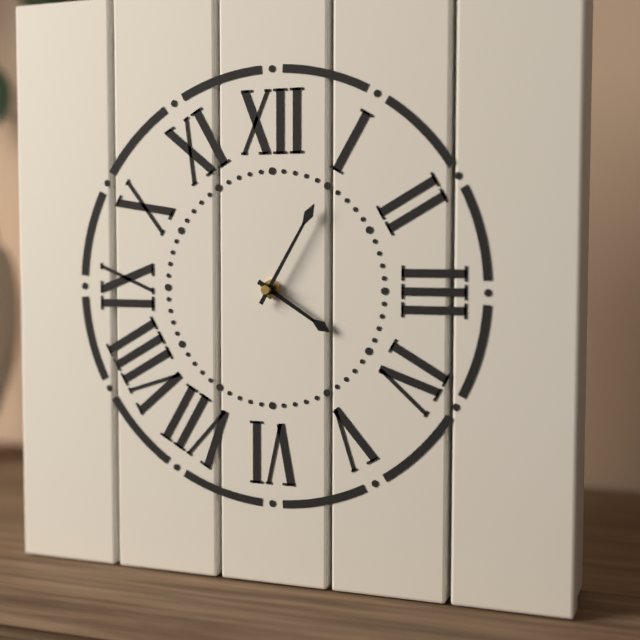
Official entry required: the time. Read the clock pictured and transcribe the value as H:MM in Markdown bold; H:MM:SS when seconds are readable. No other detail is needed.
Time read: **4:05**
